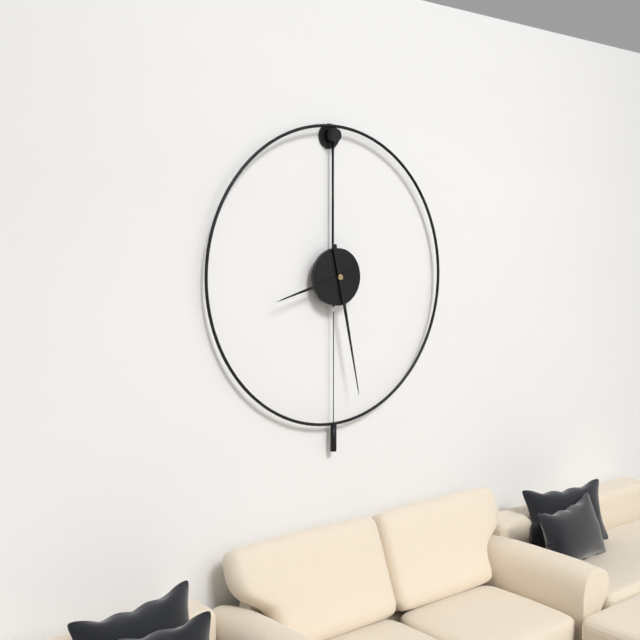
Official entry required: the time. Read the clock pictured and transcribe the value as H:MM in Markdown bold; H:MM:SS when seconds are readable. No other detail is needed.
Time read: **8:28**
